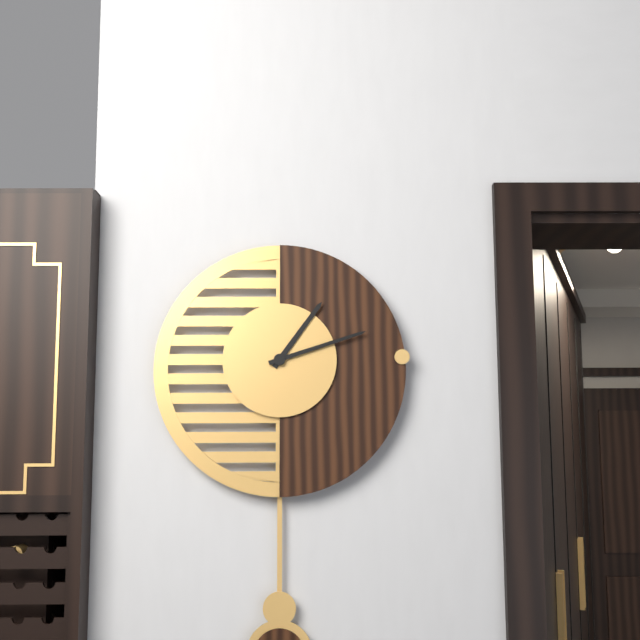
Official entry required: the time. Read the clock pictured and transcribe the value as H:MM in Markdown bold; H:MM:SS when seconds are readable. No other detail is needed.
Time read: **1:12**
